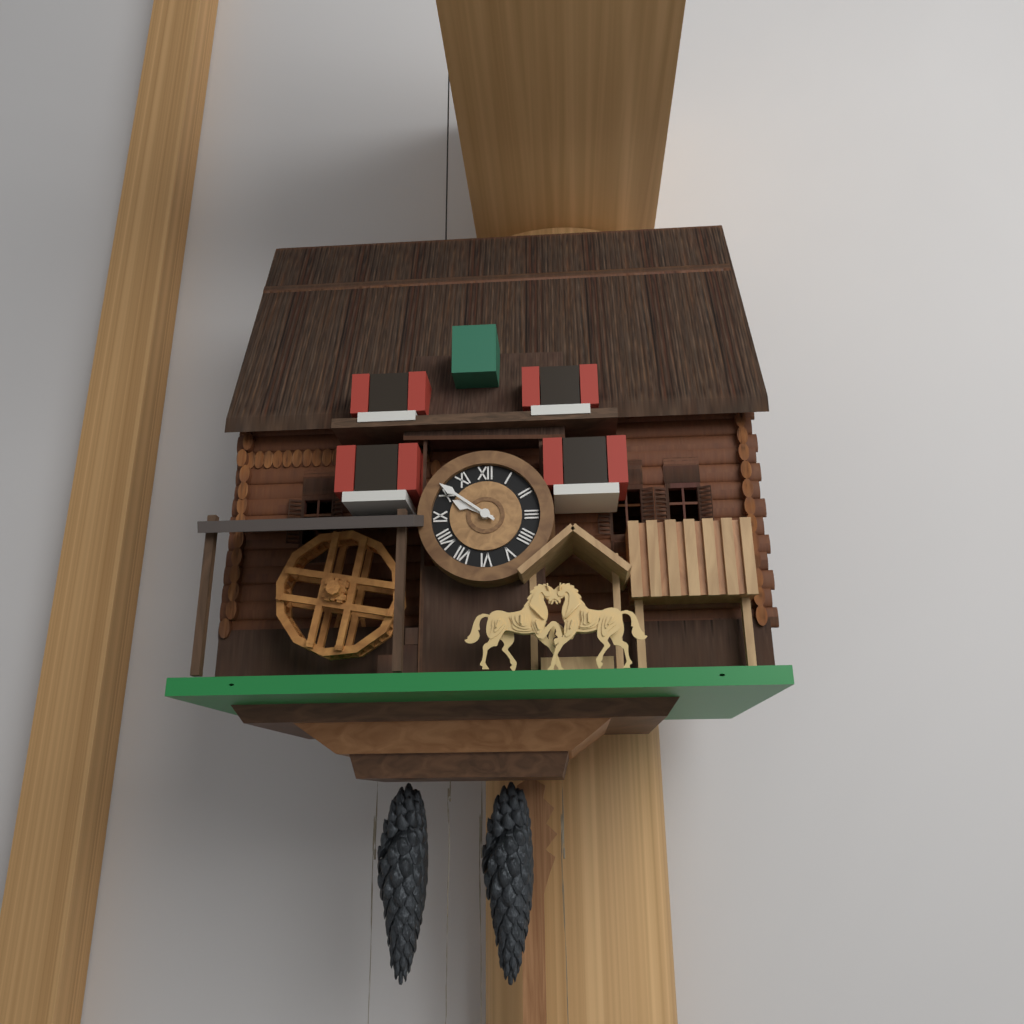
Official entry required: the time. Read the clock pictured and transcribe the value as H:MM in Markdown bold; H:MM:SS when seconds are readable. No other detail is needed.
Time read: **9:51**
